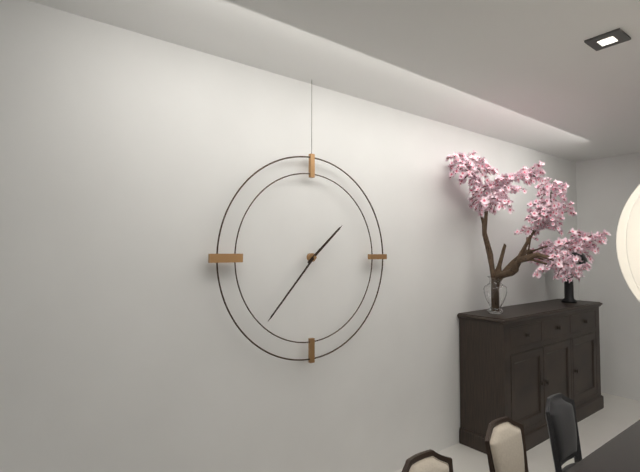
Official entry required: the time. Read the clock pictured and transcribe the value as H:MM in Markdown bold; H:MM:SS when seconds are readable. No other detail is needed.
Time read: **1:37**
